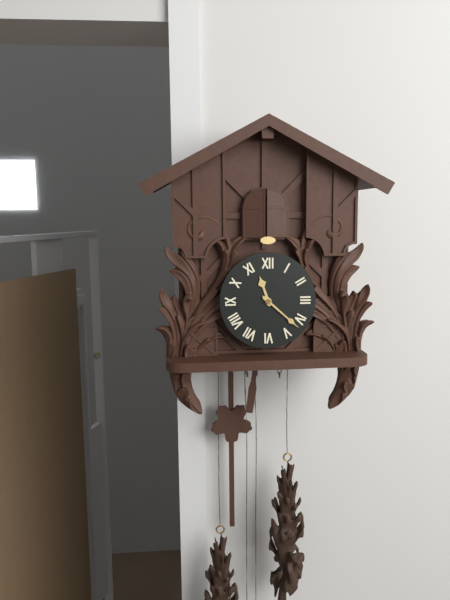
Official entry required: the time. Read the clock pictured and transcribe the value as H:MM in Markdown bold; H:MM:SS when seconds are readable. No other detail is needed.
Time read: **11:22**
